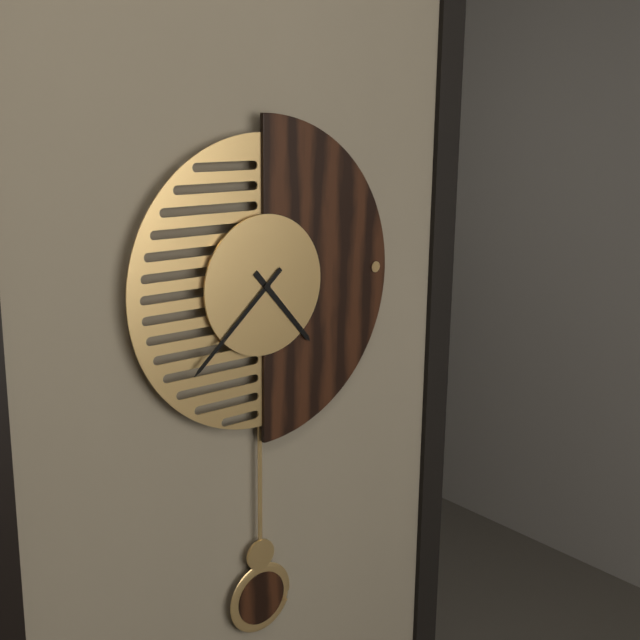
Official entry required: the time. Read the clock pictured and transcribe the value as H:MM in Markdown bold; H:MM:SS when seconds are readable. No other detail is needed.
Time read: **4:38**
